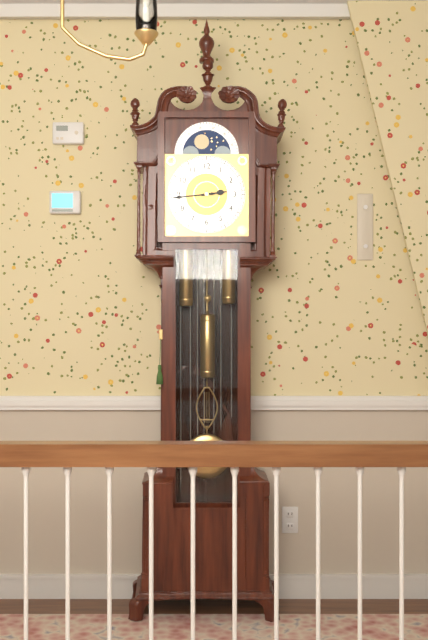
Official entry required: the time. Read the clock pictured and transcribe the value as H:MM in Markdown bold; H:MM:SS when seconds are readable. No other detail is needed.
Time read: **2:44**
